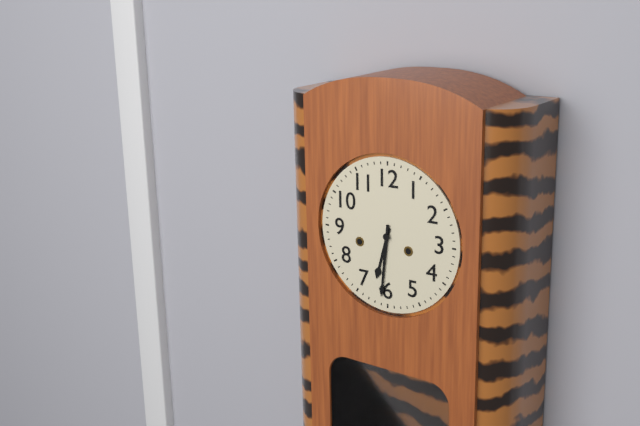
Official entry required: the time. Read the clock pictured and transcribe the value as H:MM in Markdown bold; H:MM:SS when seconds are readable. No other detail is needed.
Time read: **6:31**
